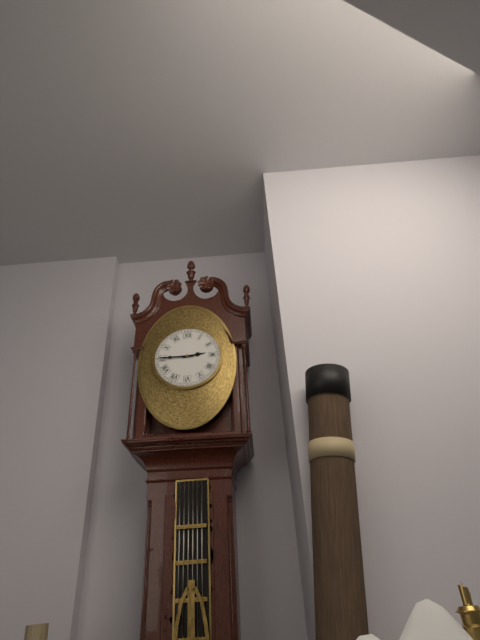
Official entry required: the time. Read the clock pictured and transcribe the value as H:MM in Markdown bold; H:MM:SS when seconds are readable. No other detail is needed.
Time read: **2:45**
